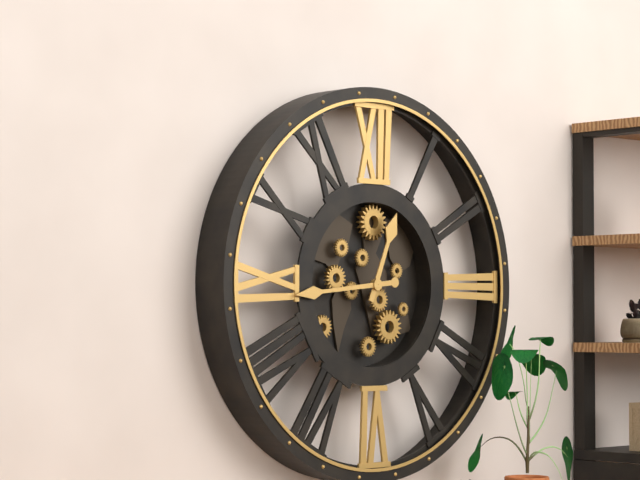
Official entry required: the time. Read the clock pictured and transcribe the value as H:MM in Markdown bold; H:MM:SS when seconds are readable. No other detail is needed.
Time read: **12:44**
